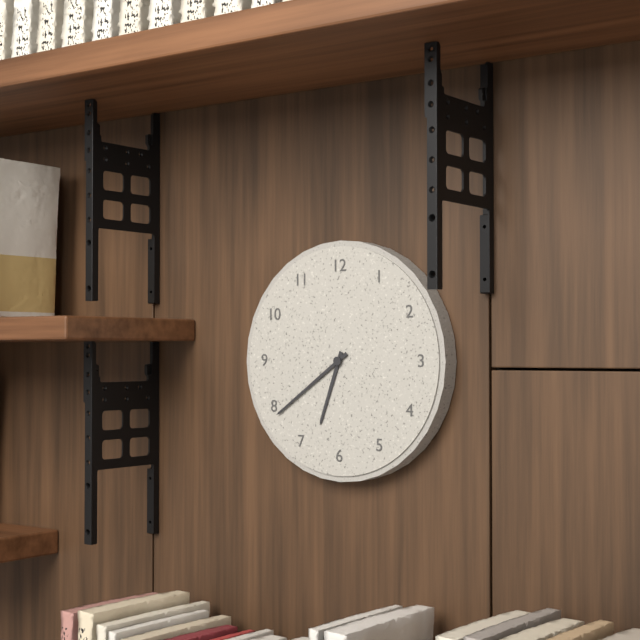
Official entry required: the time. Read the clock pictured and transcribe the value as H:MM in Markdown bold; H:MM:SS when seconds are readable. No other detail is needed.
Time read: **6:39**
